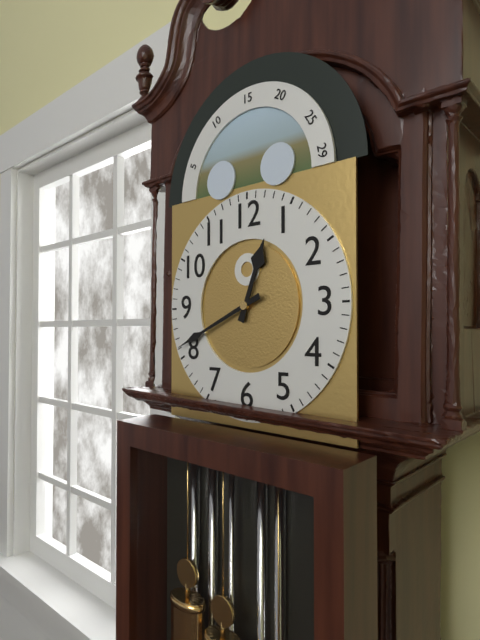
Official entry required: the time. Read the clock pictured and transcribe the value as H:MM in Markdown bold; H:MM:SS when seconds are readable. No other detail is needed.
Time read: **12:41**
